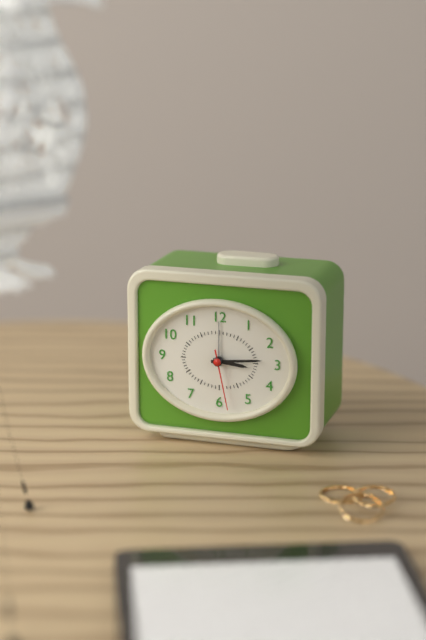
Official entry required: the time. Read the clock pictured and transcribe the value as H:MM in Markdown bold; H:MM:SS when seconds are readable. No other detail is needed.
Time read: **3:14:28**
